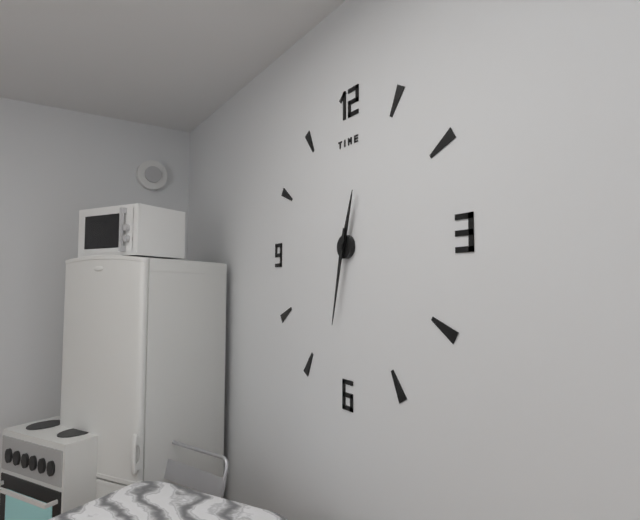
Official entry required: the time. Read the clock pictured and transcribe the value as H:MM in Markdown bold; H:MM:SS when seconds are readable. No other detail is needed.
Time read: **12:32**
